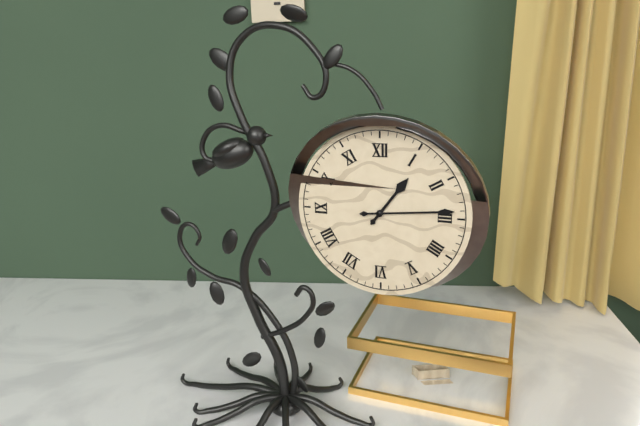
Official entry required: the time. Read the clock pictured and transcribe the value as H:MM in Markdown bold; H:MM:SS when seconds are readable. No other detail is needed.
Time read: **1:14**
